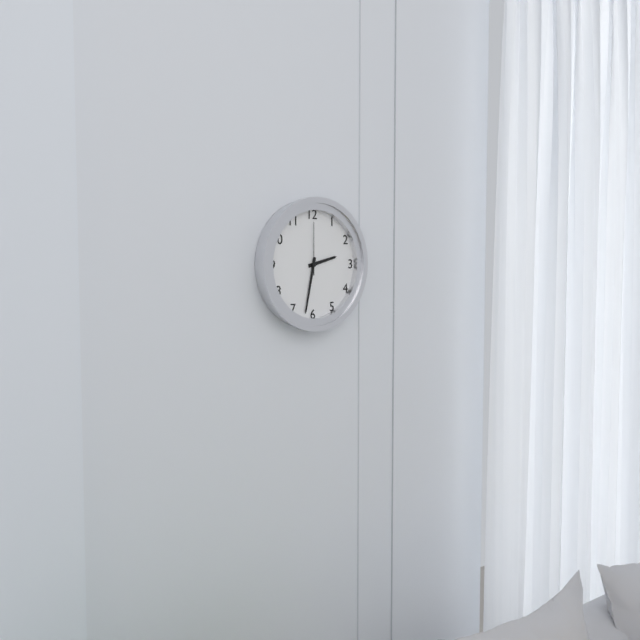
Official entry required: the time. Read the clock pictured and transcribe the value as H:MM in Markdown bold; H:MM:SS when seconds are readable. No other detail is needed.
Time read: **2:32:00**
